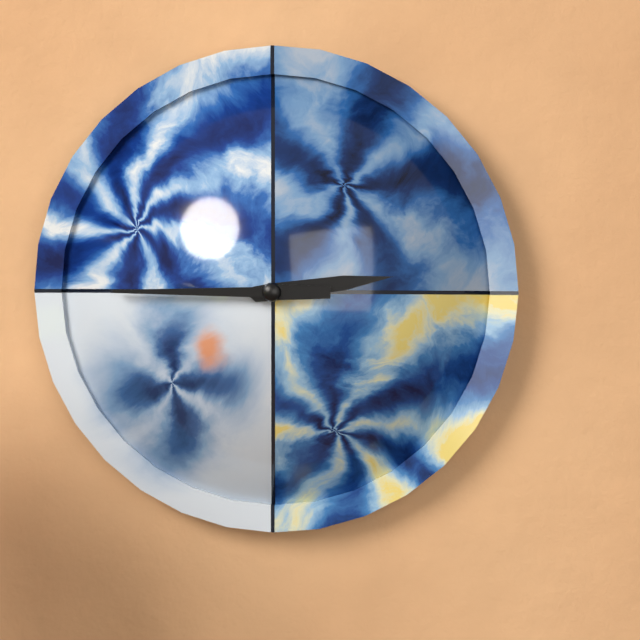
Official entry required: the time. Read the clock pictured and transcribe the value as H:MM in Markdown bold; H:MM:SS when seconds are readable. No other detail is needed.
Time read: **2:45**
